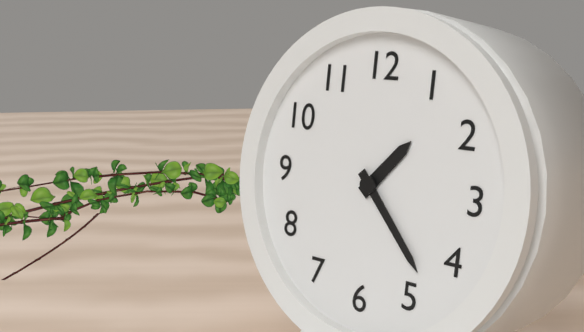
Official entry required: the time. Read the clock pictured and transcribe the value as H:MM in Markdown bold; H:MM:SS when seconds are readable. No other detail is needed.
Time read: **1:23**
